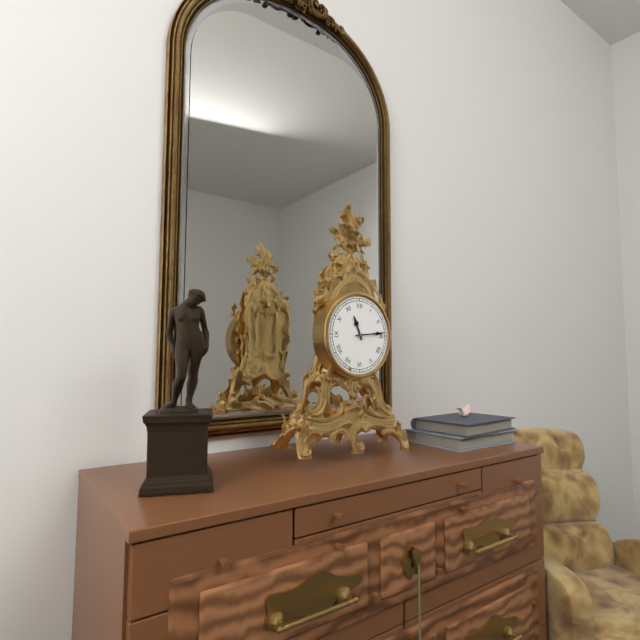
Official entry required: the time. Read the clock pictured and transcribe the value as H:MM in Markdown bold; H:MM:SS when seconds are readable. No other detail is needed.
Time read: **11:14**
